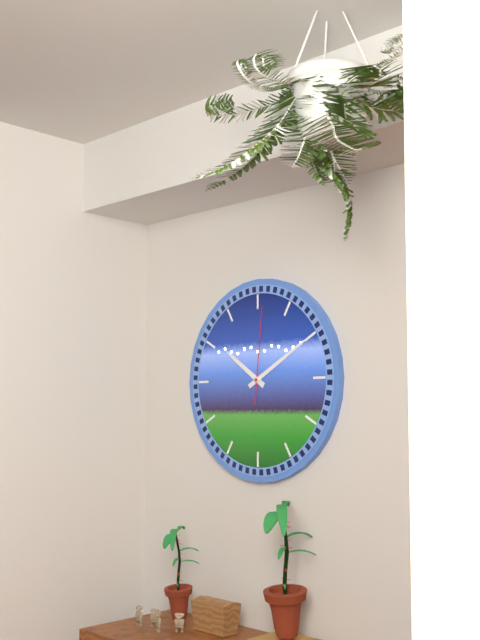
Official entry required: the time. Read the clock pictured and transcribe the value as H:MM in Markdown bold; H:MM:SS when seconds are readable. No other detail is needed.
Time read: **10:10:01**
